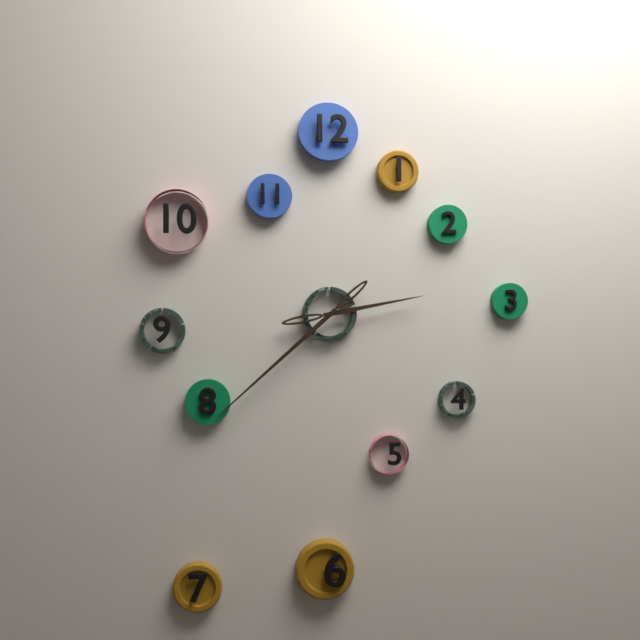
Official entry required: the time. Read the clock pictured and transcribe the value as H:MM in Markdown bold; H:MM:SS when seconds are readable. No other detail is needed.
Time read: **2:38**
